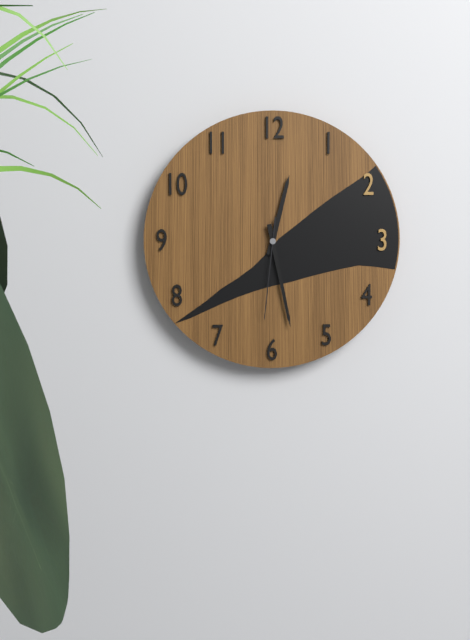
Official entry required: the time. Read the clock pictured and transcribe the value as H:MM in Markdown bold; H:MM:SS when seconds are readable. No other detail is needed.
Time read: **12:28:31**
